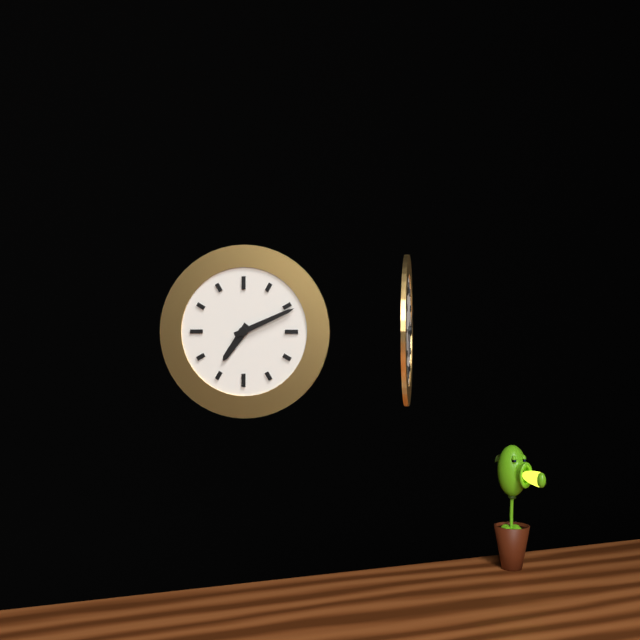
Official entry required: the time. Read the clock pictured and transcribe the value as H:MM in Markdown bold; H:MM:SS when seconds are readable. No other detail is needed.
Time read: **7:11**
